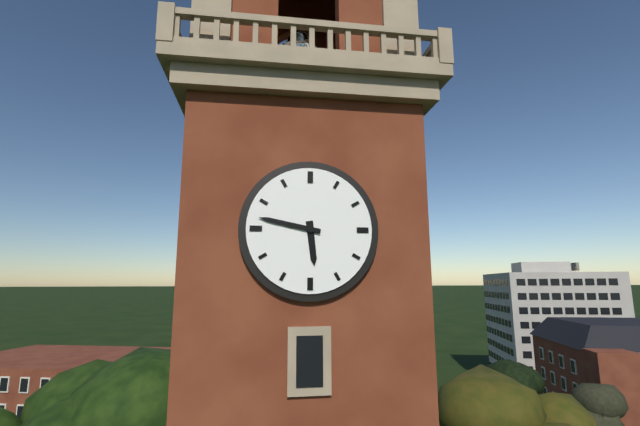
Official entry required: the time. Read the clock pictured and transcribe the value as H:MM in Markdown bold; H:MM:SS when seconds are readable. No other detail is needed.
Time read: **5:47**
